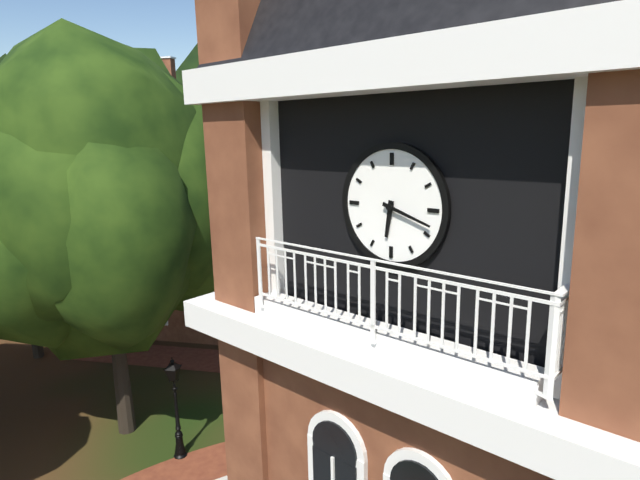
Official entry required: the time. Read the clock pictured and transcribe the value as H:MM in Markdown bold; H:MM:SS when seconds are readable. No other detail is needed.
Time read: **6:18**
